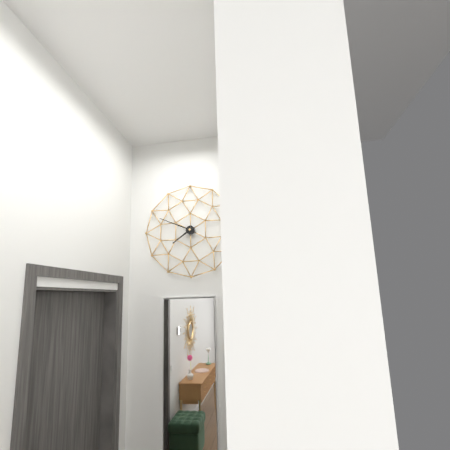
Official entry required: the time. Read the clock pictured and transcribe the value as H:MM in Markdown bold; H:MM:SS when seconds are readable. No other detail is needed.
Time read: **7:49**
